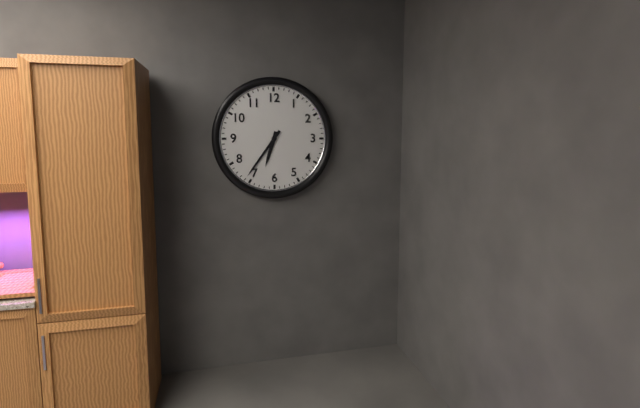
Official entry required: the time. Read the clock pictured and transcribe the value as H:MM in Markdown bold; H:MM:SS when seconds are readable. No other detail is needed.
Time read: **6:36**
